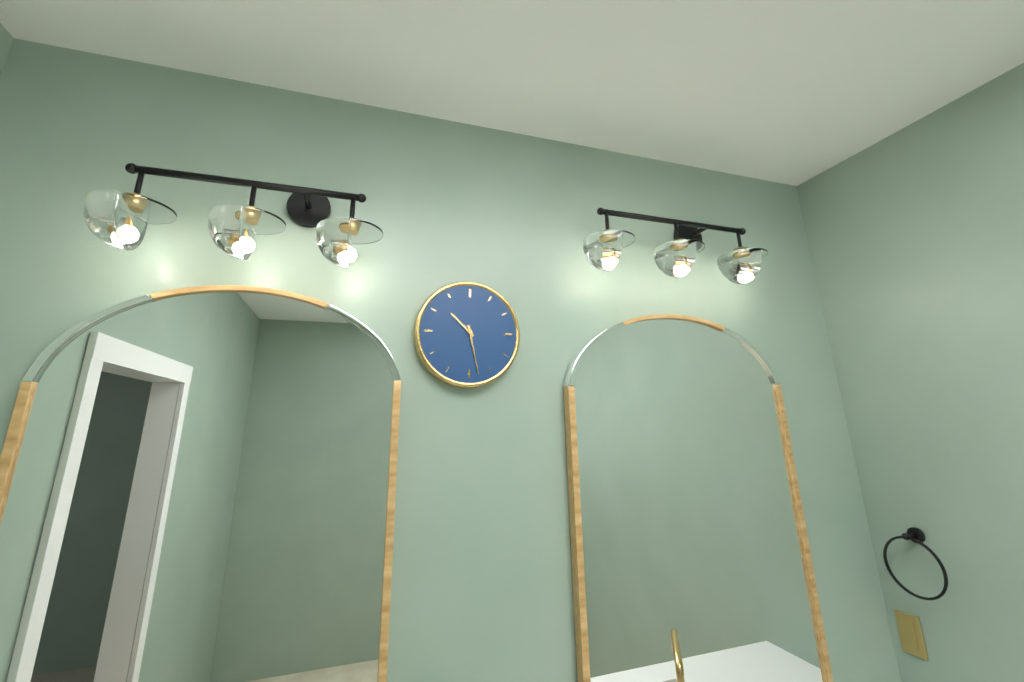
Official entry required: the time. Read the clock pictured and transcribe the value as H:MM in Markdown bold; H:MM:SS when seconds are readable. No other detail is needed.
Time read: **10:28**
